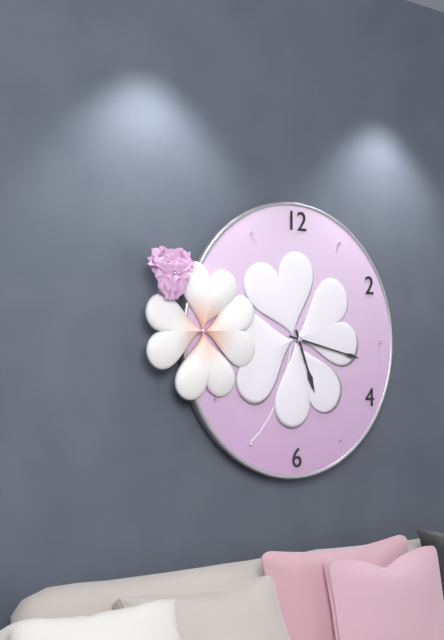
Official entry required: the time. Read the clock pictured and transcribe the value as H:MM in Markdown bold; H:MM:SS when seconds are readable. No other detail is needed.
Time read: **5:17**
